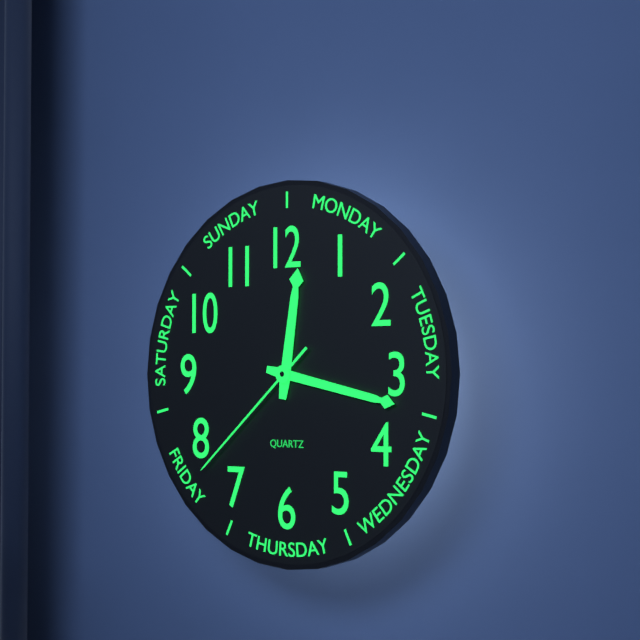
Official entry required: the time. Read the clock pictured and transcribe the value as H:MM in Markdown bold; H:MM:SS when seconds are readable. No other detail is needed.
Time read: **12:17:38**
